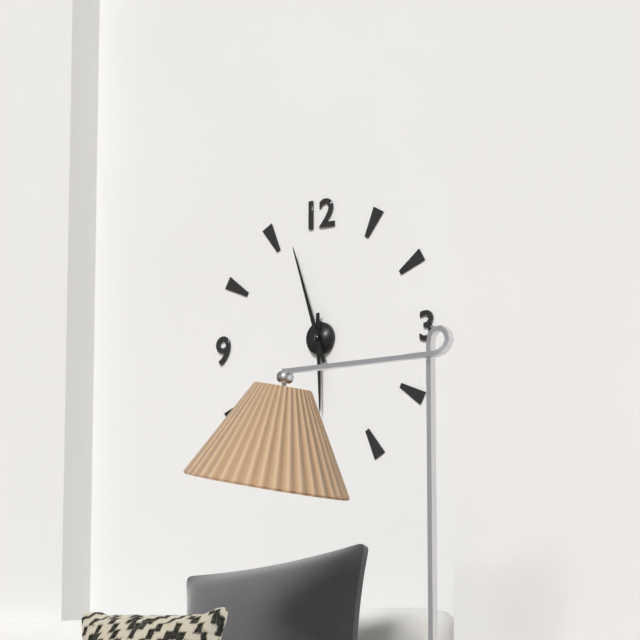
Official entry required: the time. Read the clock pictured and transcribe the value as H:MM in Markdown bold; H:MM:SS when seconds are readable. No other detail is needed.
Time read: **5:57**
